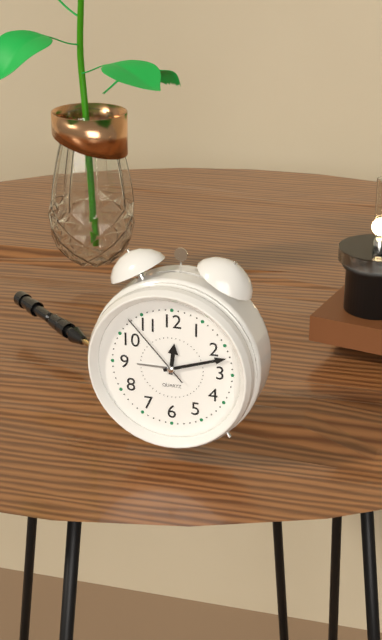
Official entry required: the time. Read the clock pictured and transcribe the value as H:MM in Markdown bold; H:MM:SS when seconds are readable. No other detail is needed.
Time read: **12:12:53**
